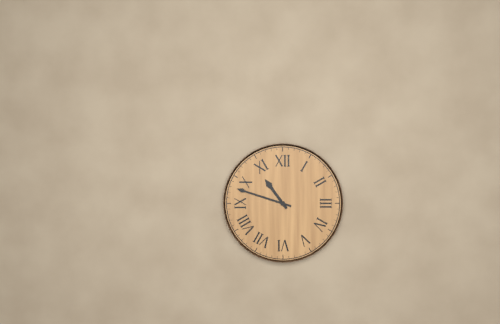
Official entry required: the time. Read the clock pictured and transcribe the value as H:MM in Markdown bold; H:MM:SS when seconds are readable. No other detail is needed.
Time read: **10:48**
